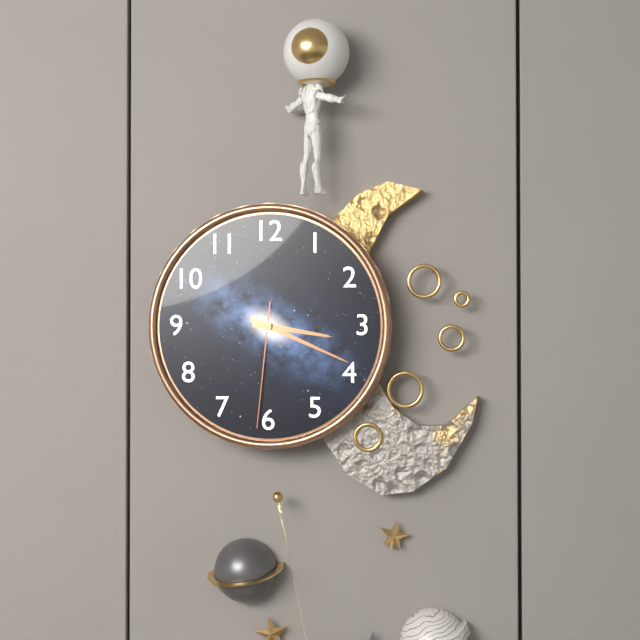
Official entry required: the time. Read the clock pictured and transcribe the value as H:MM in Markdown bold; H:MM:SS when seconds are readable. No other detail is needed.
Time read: **3:19:31**
